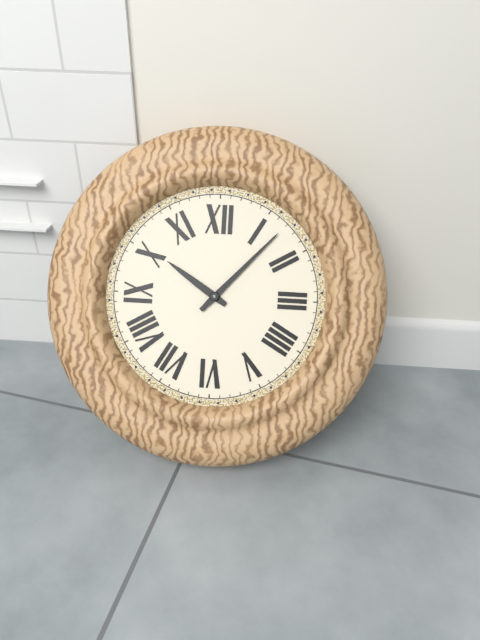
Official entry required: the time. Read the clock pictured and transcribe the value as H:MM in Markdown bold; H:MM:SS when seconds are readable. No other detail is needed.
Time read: **10:07**
